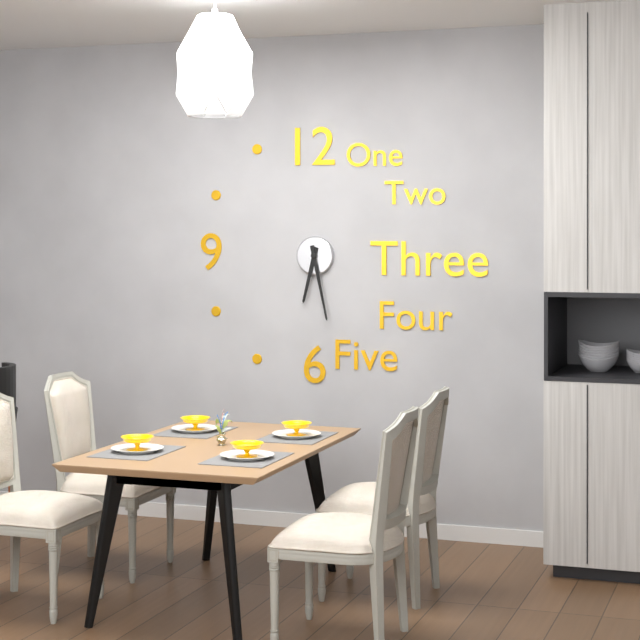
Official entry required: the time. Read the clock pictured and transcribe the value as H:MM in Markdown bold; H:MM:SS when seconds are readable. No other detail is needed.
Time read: **6:28**
